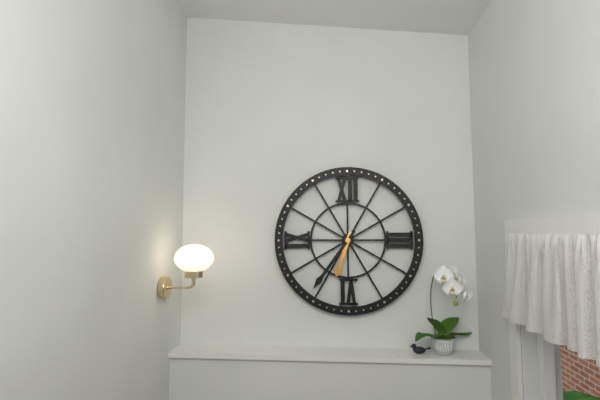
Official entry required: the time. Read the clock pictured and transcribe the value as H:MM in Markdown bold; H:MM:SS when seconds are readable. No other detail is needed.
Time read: **6:36**
